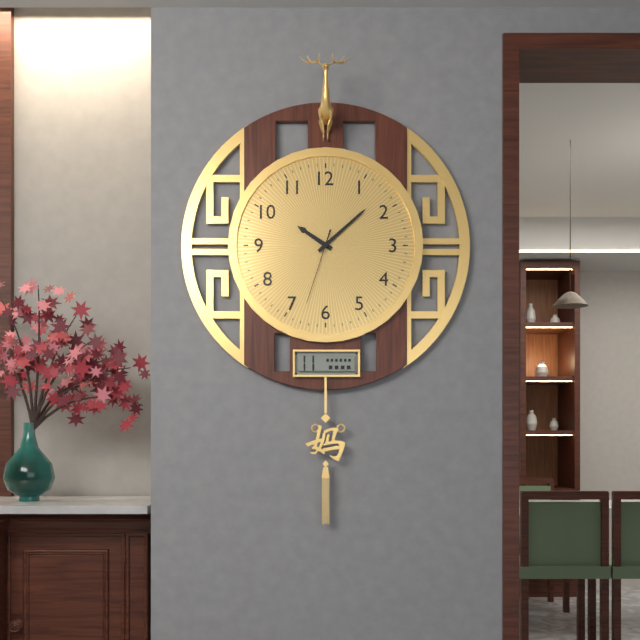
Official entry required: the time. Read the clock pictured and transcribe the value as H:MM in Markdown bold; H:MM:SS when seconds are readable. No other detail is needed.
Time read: **10:08:33**
